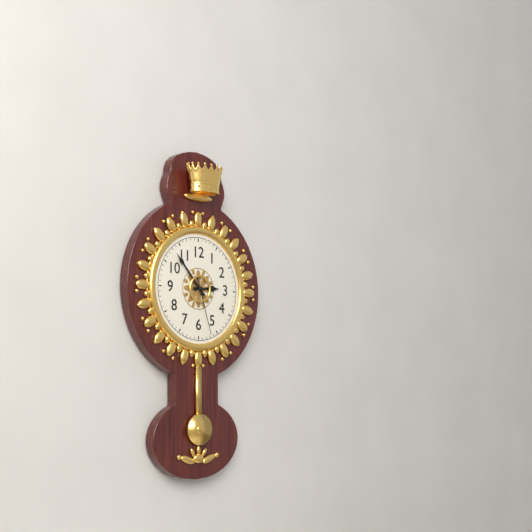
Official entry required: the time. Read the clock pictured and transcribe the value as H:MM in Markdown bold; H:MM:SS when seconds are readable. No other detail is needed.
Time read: **2:53:27**
